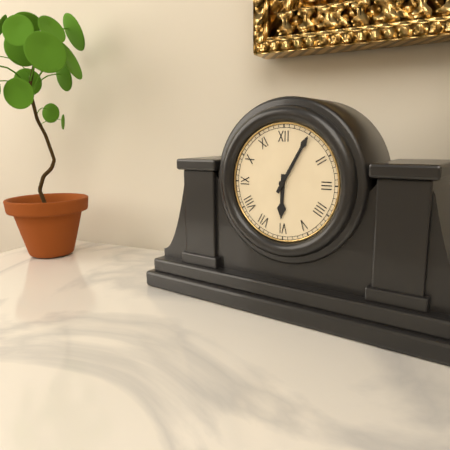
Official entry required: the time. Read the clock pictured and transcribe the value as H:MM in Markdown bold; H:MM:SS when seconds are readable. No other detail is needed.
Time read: **6:05**
